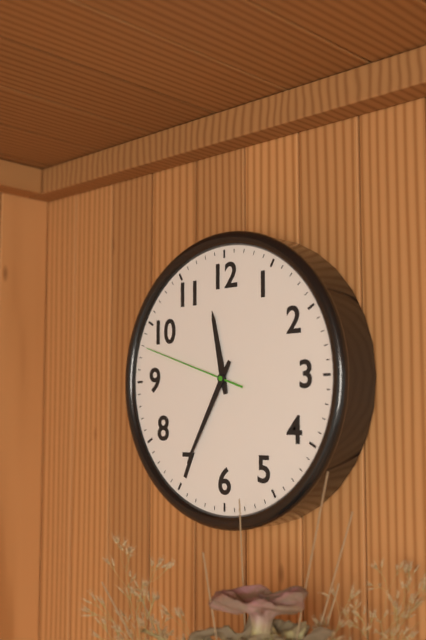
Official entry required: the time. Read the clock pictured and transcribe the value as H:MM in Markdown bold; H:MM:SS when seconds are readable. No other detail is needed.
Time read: **11:35:48**
